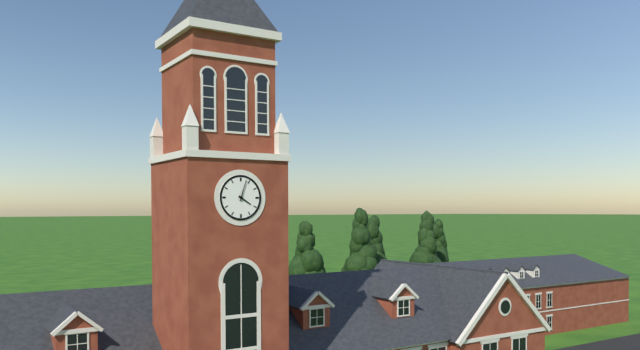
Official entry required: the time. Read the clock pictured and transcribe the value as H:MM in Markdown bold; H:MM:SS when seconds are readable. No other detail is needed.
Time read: **4:03**
